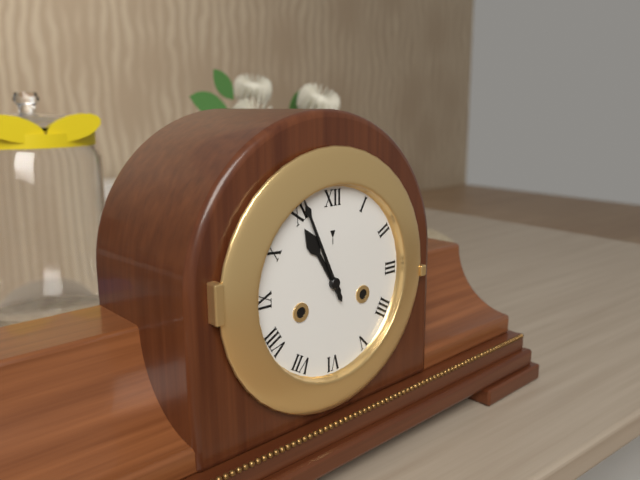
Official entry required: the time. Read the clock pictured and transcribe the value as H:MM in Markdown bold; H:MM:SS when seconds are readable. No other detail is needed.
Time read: **10:56**
